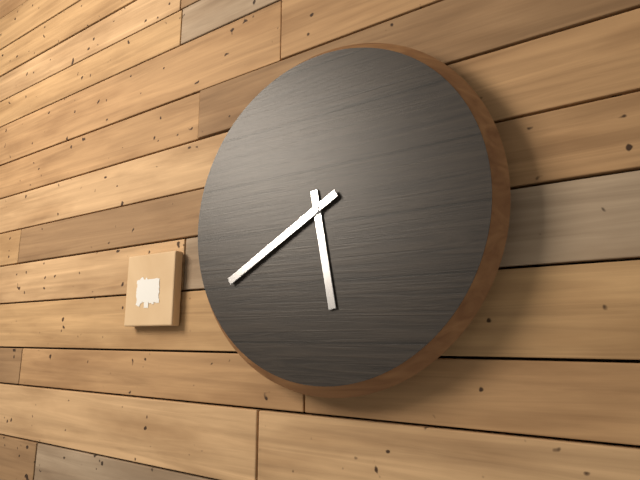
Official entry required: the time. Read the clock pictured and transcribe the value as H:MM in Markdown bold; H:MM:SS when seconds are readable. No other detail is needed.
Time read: **5:40**
